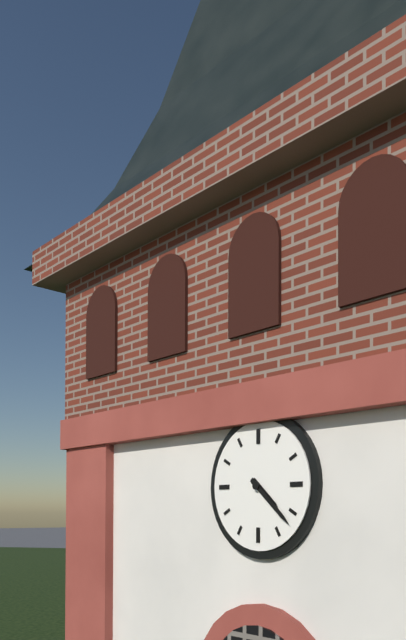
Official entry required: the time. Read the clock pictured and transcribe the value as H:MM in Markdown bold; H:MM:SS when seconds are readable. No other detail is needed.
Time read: **4:22**
